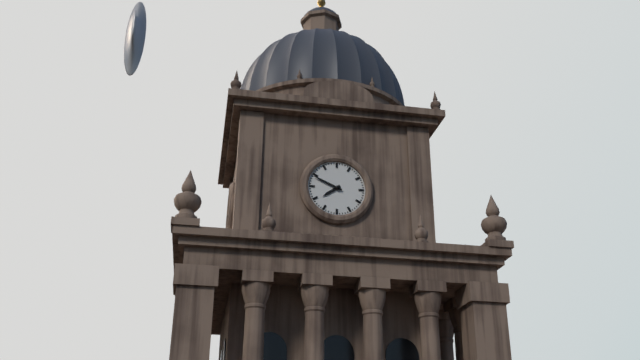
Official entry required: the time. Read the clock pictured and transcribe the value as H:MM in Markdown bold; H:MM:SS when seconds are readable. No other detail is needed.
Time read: **7:49**
